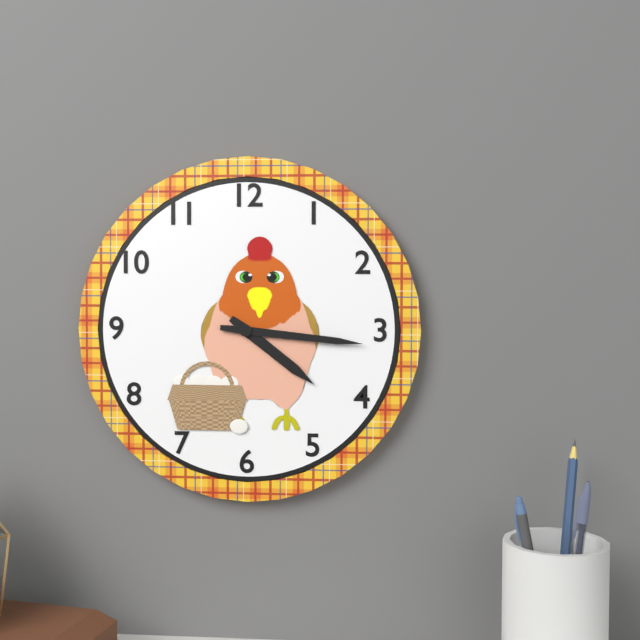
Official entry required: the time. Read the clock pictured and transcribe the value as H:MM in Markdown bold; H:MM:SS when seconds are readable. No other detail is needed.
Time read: **4:16**
